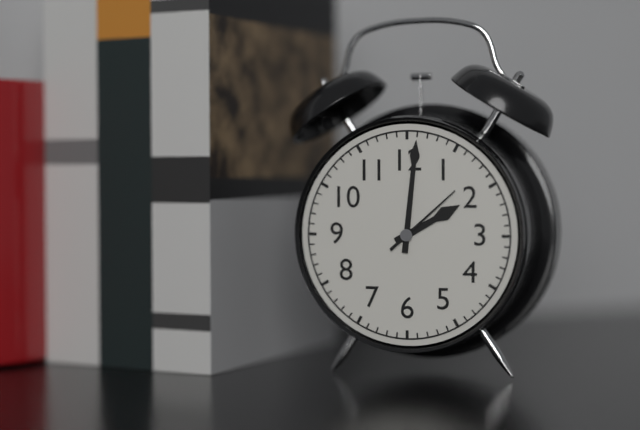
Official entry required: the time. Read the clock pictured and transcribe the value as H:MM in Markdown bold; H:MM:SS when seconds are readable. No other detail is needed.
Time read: **2:01:08**
